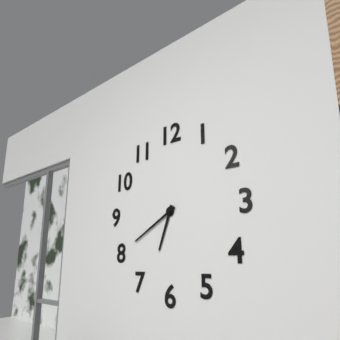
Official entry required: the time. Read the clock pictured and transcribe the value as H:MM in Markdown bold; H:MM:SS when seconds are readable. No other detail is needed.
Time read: **6:40**
